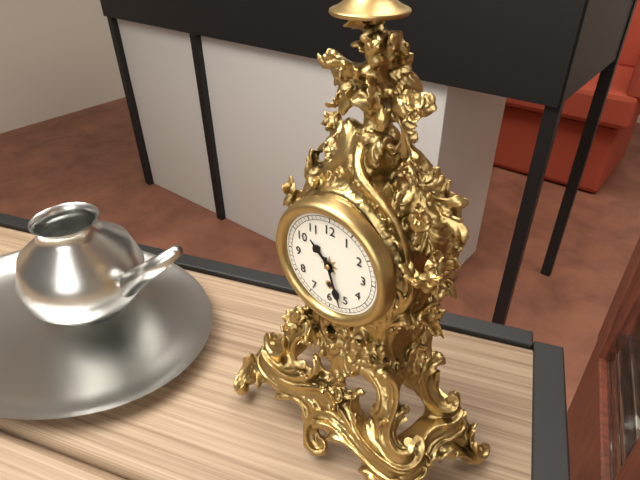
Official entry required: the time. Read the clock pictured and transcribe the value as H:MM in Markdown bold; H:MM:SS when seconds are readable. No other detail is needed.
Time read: **10:27**
